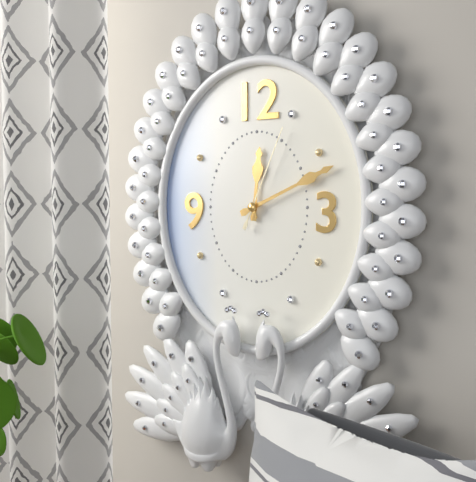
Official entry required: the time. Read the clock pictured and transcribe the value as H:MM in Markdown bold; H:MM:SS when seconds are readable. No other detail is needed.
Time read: **12:11:04**
